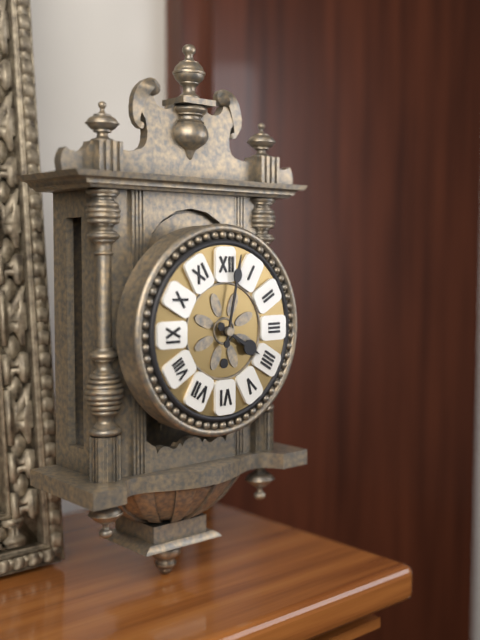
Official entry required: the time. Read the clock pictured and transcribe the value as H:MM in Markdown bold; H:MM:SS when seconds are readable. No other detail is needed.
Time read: **4:02**
